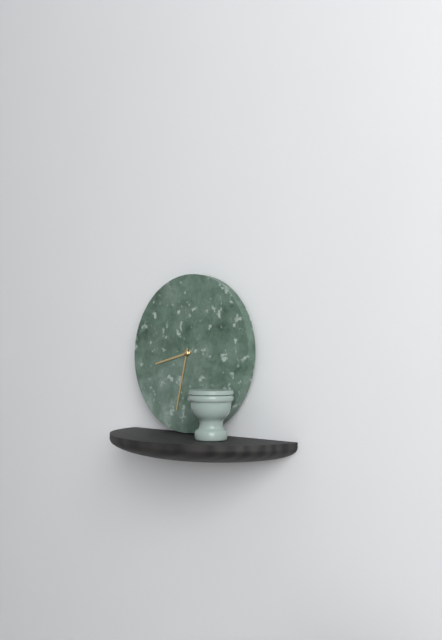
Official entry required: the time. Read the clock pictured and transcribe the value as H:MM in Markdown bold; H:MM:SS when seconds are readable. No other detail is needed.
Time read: **8:32**
